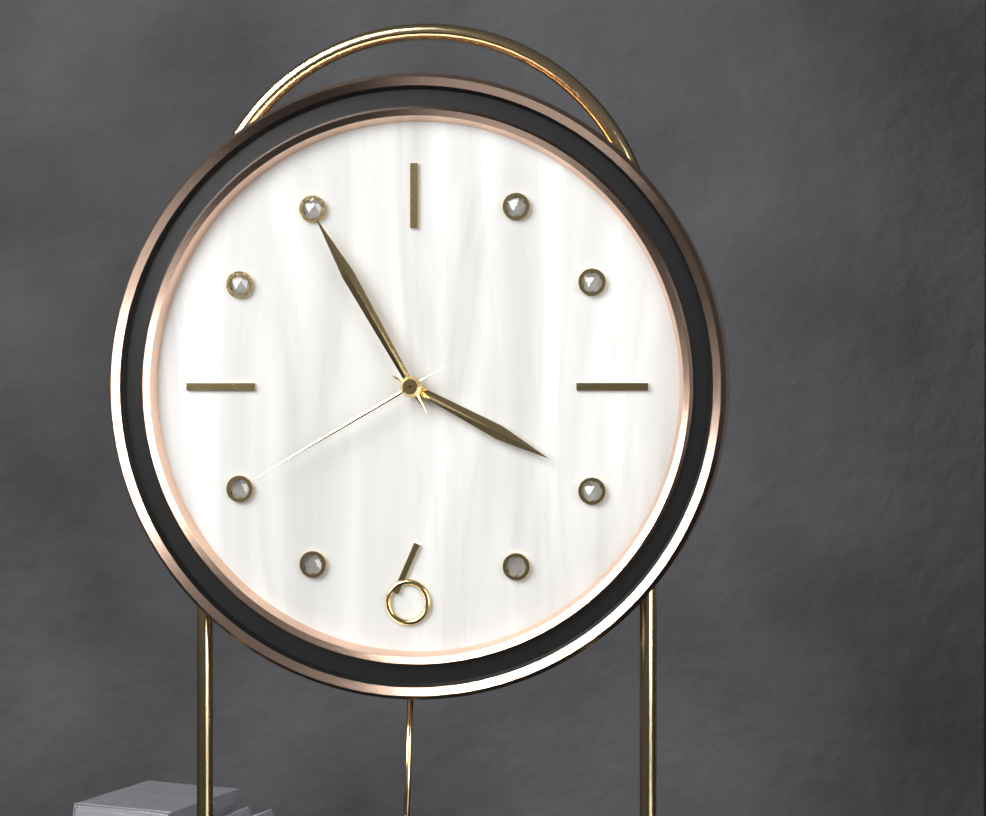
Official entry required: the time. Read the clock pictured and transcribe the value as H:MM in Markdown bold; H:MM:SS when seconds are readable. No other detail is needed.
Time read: **3:55:40**
